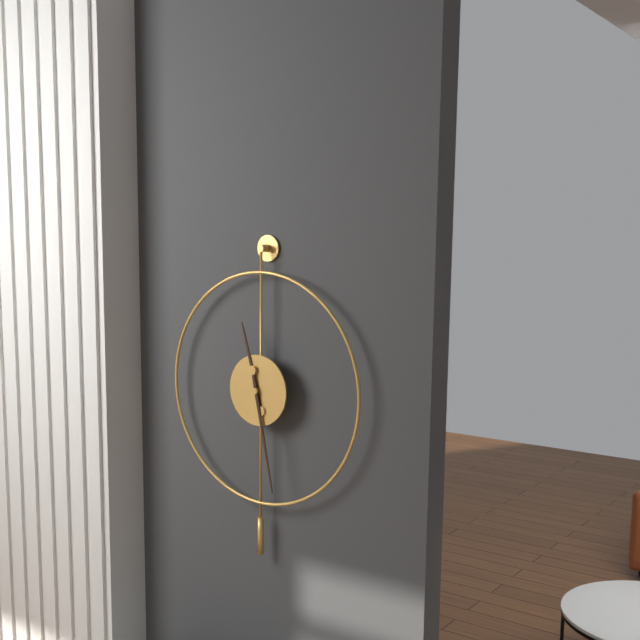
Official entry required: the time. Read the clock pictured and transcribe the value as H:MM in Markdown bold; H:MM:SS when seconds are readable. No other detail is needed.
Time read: **11:28**
